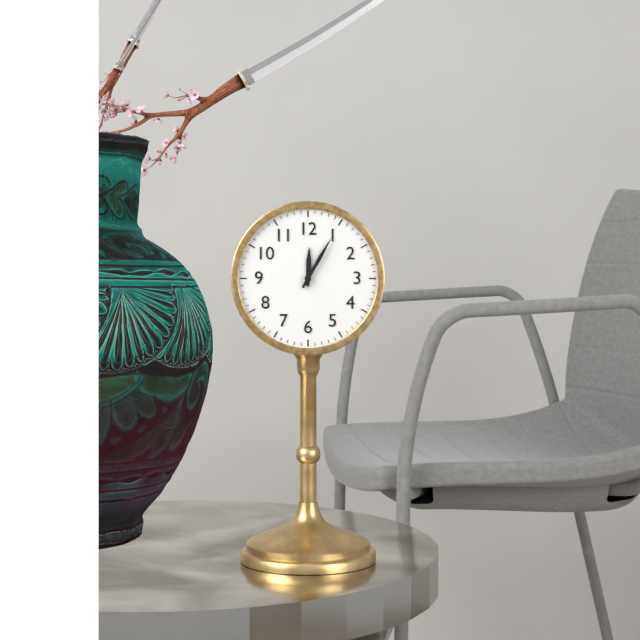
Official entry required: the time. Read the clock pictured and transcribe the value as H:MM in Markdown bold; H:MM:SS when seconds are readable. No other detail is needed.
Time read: **12:05**
